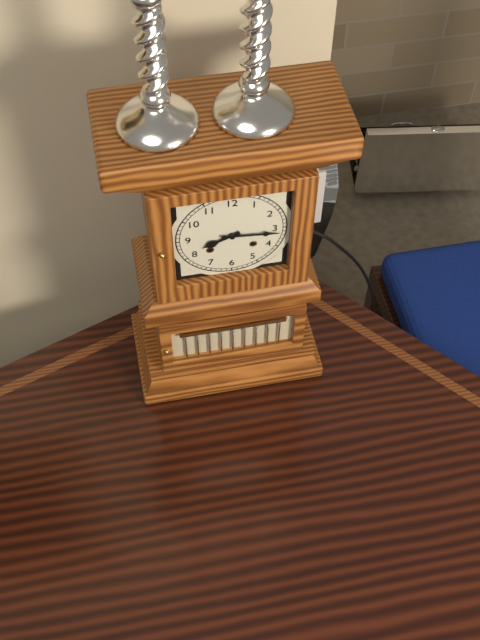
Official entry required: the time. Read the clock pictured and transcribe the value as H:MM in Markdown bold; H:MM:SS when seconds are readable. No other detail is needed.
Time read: **8:16**
